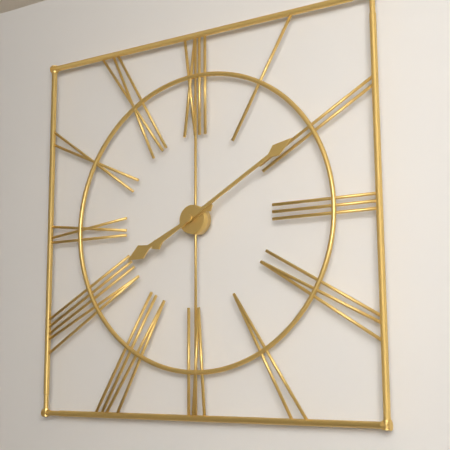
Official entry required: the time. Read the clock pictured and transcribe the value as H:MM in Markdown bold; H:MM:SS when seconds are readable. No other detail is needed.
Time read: **8:10**
